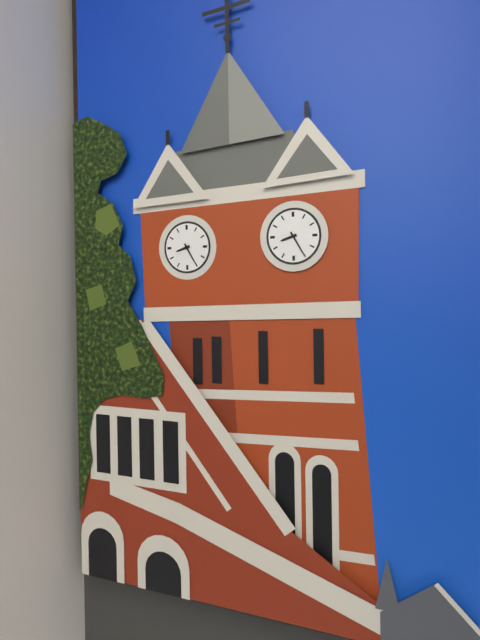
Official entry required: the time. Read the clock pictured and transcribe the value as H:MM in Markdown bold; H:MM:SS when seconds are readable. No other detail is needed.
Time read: **8:25**
